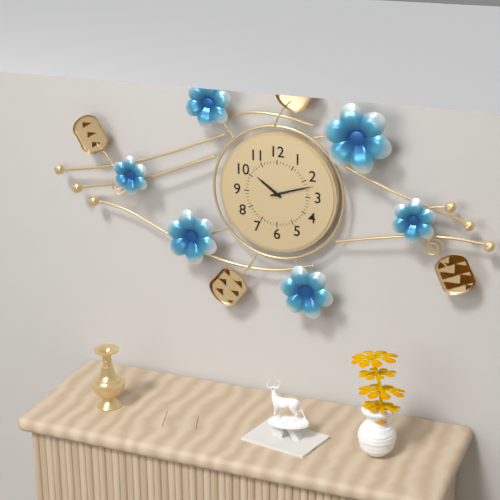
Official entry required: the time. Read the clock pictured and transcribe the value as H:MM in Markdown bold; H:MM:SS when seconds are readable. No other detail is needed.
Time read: **10:12**
